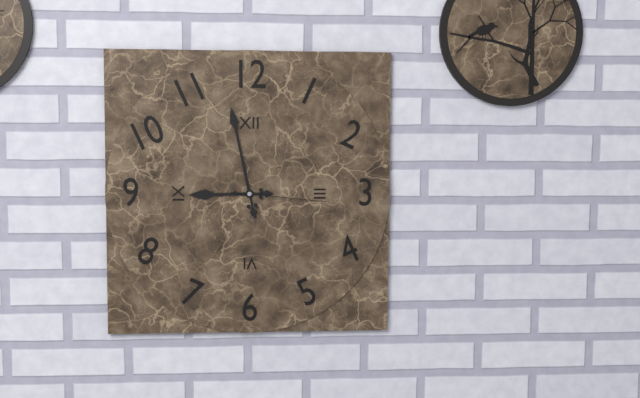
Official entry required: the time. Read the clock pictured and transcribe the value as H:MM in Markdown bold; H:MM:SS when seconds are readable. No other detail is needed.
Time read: **8:58:16**
